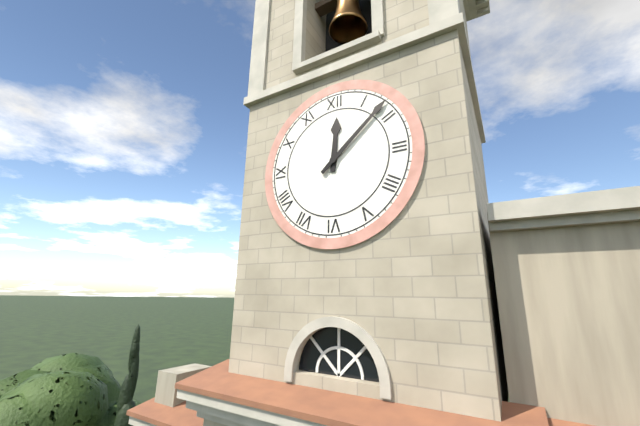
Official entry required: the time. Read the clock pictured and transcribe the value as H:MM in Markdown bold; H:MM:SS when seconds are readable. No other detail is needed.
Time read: **12:08**
